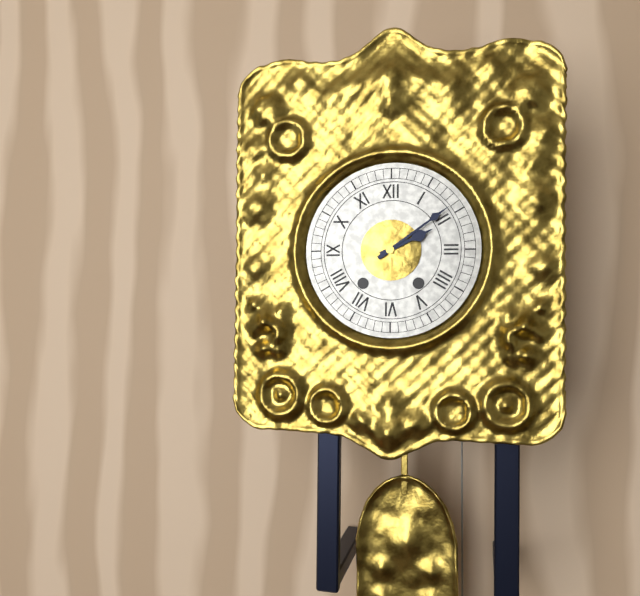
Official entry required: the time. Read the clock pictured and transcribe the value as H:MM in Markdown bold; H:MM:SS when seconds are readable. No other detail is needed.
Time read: **2:09**
